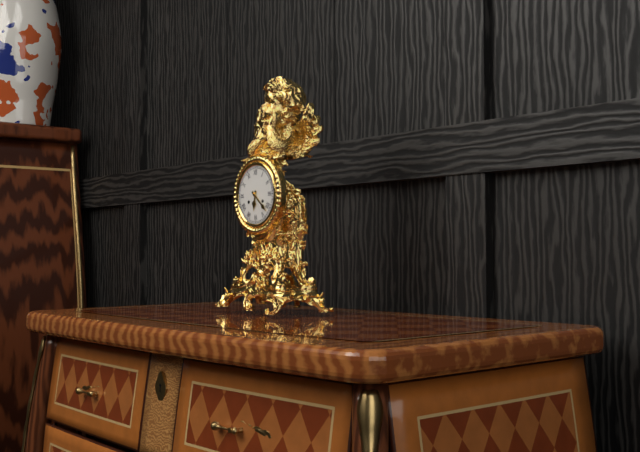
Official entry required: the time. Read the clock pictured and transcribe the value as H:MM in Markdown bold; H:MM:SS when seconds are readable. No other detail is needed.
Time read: **6:22**
